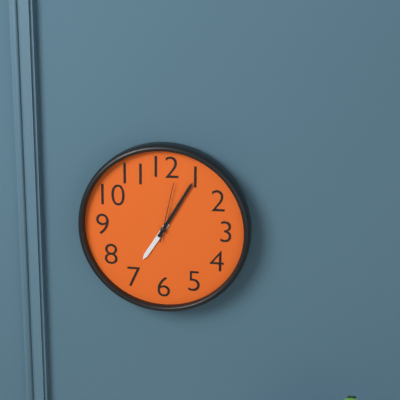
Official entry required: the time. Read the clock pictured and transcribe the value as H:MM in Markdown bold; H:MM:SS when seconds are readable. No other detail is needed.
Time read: **7:05:02**
